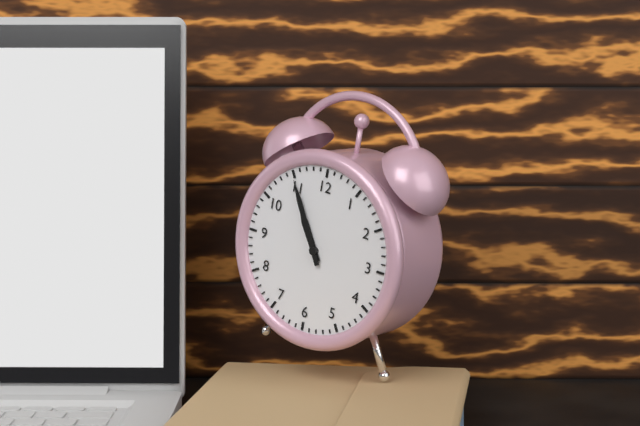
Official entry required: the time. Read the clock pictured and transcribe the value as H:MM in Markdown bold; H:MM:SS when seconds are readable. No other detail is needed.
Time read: **10:55**
